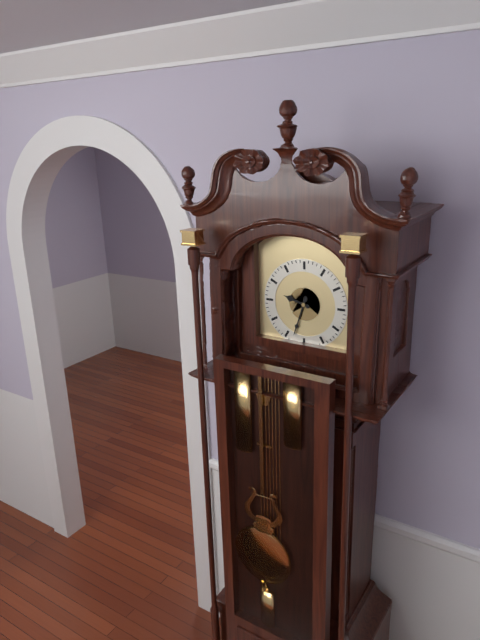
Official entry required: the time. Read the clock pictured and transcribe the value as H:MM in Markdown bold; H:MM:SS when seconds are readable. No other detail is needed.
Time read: **9:33**
